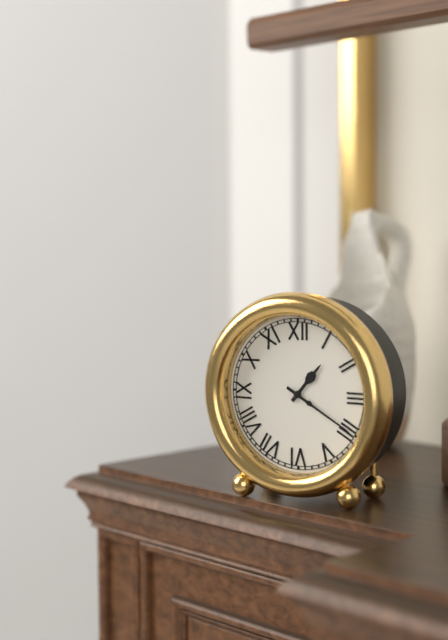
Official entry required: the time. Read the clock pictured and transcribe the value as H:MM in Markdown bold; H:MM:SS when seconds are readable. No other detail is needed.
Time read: **1:20**
